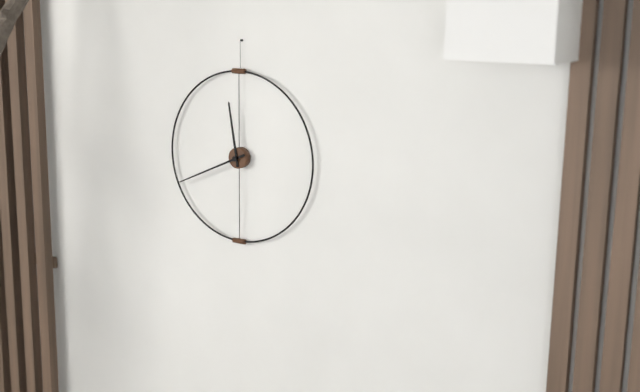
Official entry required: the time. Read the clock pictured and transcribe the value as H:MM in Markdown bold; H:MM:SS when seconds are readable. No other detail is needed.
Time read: **11:41**
